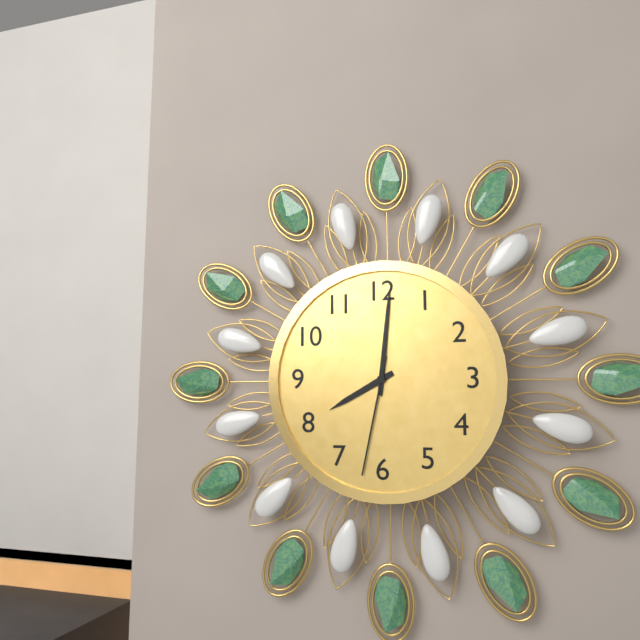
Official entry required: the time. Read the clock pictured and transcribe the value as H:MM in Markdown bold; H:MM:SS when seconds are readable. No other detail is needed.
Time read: **8:01:32**
